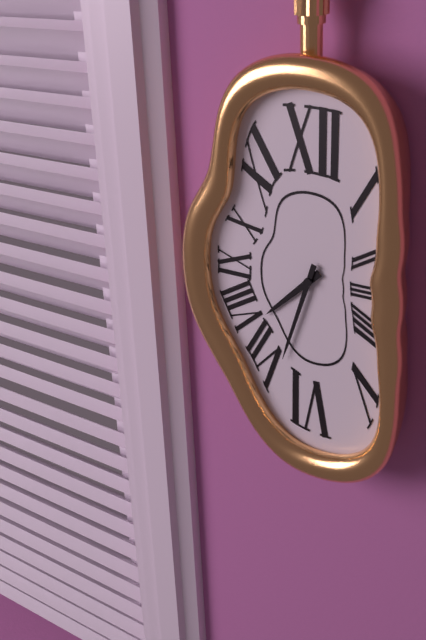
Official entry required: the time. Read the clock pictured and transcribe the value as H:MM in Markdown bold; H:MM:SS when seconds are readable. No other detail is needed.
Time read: **7:33**
